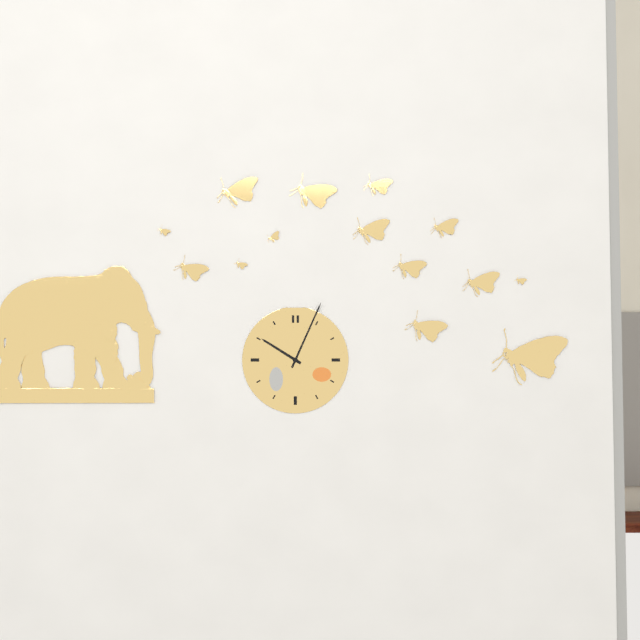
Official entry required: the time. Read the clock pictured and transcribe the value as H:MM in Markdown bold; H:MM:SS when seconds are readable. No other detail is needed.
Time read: **10:04**
